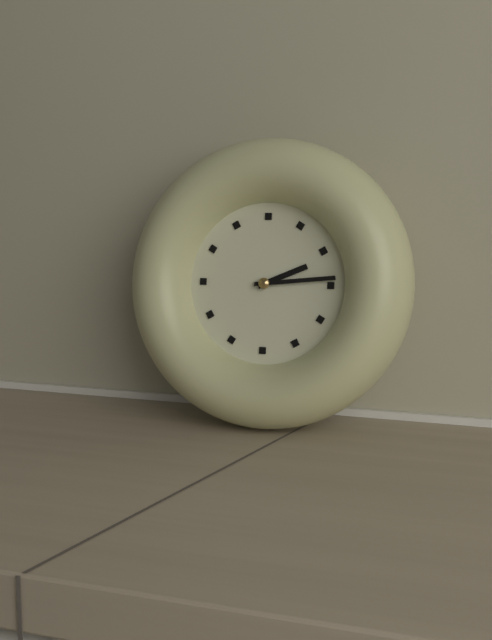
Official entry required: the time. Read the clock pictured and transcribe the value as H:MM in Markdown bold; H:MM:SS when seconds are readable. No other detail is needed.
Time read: **2:14**
